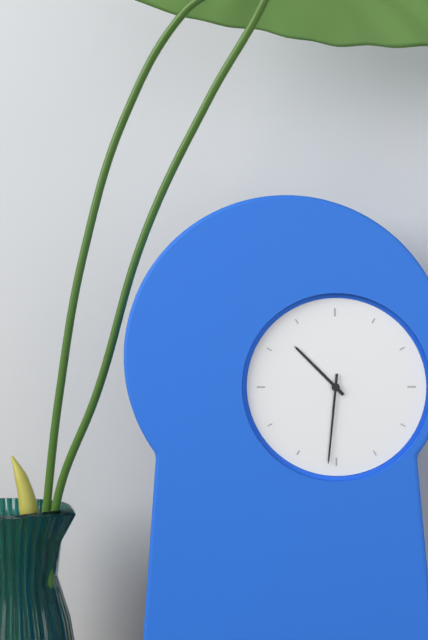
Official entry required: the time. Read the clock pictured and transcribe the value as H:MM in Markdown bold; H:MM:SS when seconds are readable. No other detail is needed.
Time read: **10:31**
